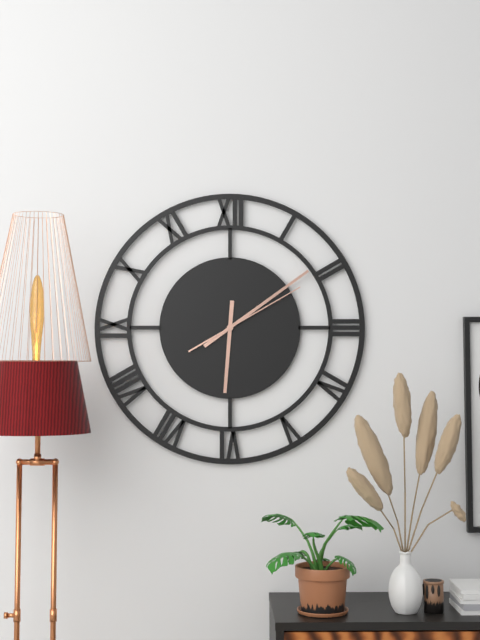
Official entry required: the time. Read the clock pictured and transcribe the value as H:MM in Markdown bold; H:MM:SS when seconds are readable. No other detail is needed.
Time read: **6:09:10**
